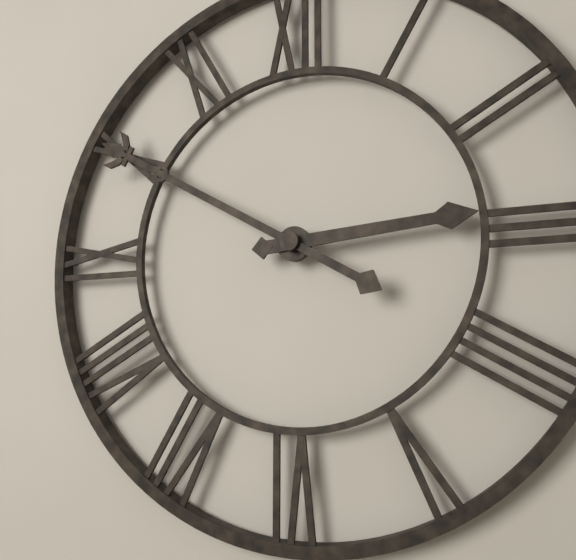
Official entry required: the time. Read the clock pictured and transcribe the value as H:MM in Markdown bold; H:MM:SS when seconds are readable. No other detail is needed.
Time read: **2:50**
